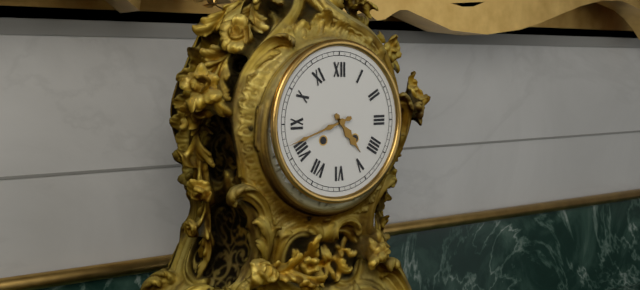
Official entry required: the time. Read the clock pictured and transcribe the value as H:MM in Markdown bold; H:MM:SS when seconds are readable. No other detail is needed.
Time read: **4:42**
